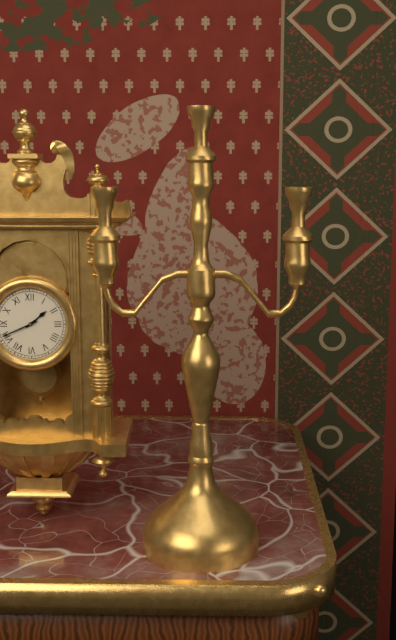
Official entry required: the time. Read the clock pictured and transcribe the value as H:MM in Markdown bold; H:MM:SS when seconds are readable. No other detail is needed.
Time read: **1:41**
